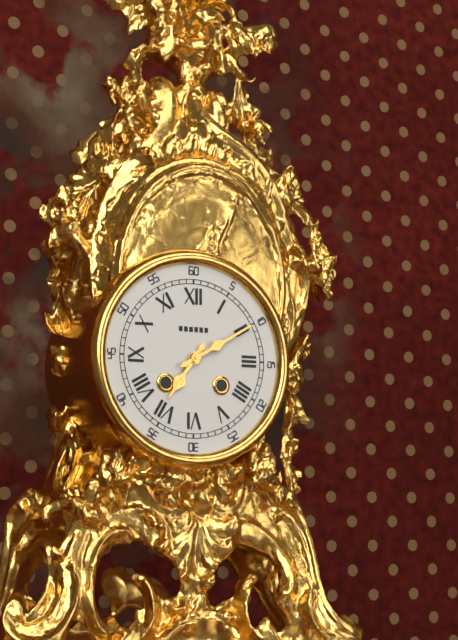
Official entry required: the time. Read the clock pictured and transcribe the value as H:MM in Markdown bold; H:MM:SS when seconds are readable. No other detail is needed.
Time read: **7:10**
